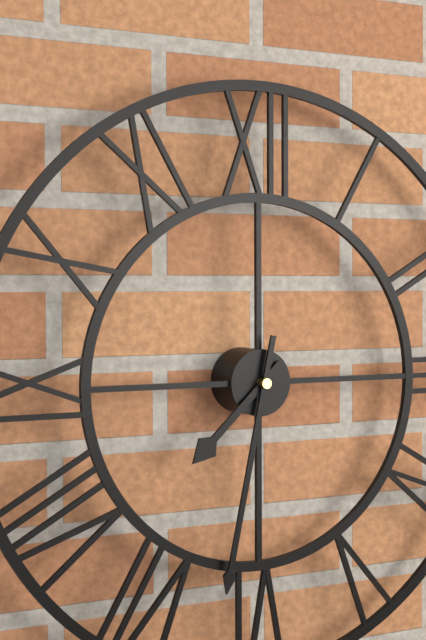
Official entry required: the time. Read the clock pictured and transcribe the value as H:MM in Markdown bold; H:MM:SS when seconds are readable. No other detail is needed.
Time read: **7:32**
